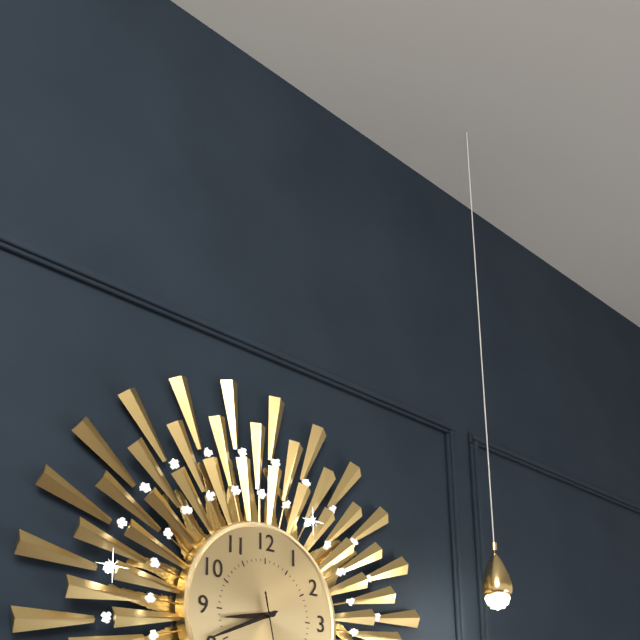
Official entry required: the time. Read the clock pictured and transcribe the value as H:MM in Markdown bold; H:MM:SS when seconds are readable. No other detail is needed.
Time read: **8:41**
